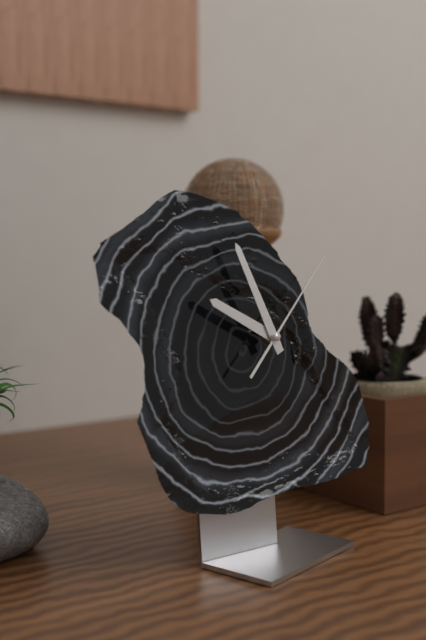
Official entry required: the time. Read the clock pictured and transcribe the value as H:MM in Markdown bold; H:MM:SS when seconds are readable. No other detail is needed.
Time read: **9:56:07**
